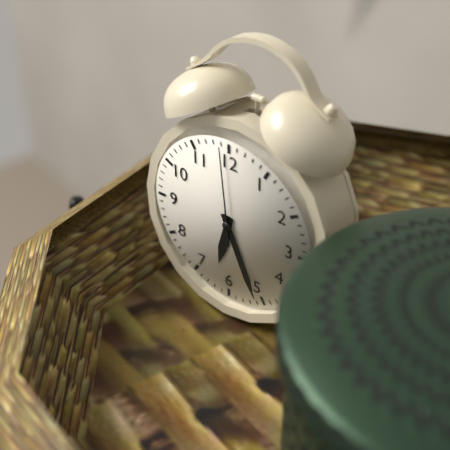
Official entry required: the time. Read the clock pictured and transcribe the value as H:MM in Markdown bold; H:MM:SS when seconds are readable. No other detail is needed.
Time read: **6:26:59**
